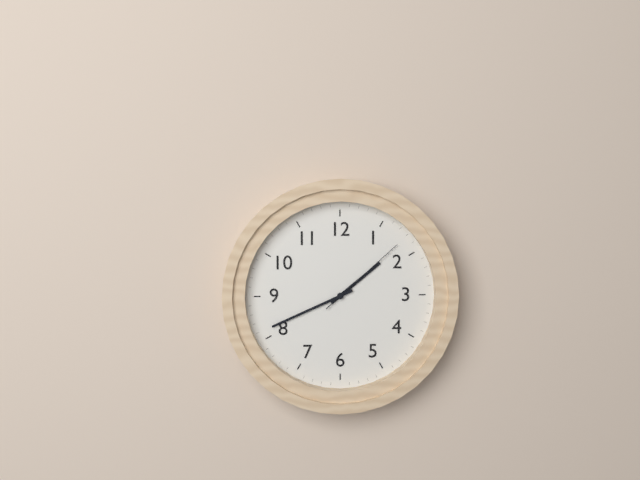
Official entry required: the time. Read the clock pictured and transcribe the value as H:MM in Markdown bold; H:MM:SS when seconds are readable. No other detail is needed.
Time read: **1:41:08**
